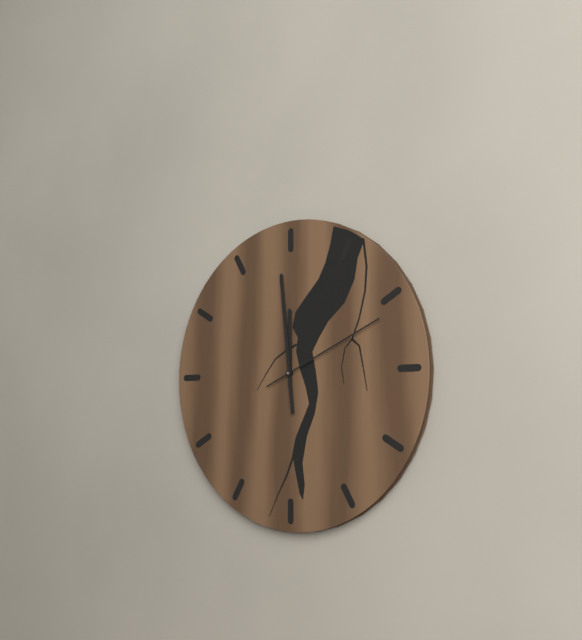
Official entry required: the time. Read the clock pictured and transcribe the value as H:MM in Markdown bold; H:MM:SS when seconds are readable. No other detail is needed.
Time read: **11:59:11**
